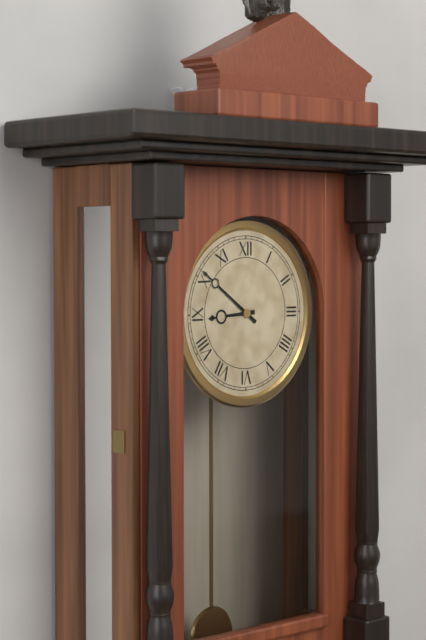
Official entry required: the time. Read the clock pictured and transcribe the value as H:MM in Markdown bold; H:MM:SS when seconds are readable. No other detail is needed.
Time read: **8:51**
